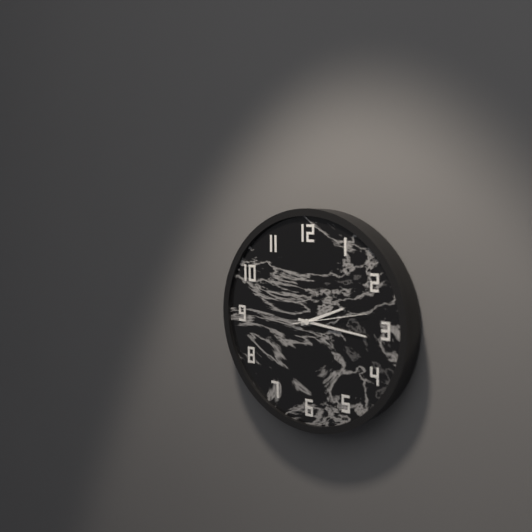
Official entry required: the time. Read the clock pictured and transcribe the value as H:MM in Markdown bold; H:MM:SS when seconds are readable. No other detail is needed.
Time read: **2:16:13**
